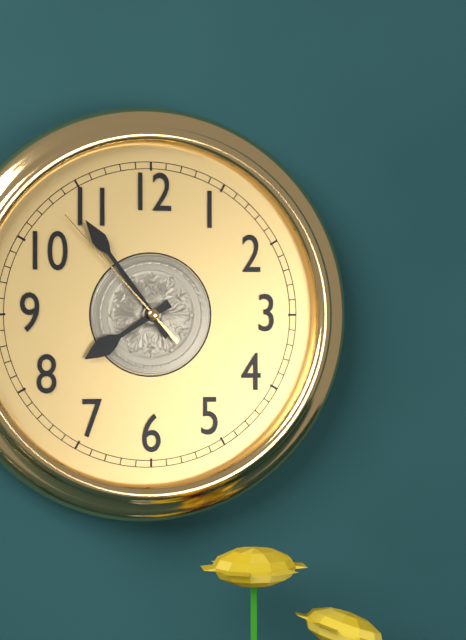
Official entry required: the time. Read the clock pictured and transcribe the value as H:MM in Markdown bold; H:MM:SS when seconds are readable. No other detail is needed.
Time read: **7:54:53**
